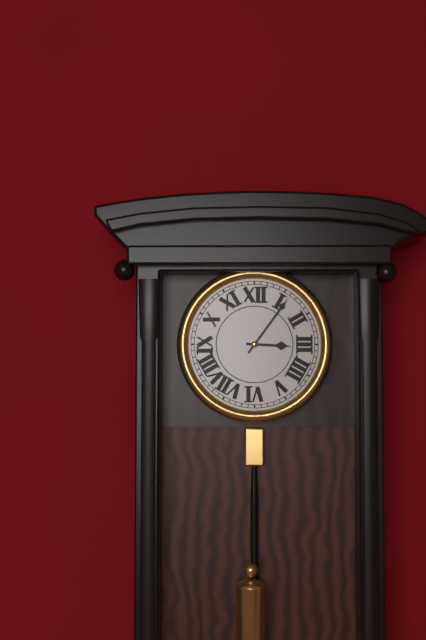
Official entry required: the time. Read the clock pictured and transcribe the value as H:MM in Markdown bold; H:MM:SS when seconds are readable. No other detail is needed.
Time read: **3:06**
